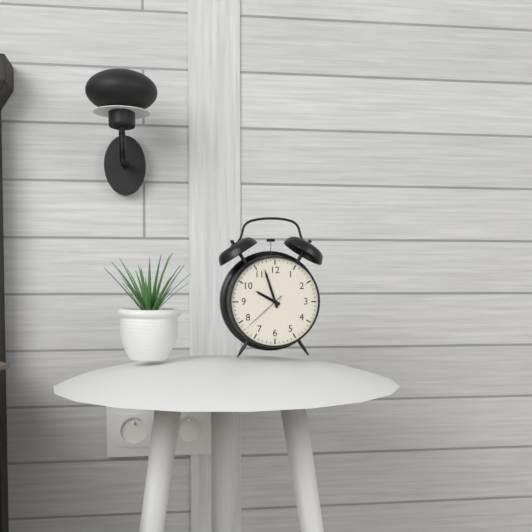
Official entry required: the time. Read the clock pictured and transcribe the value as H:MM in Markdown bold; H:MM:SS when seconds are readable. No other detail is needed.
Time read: **9:57**
